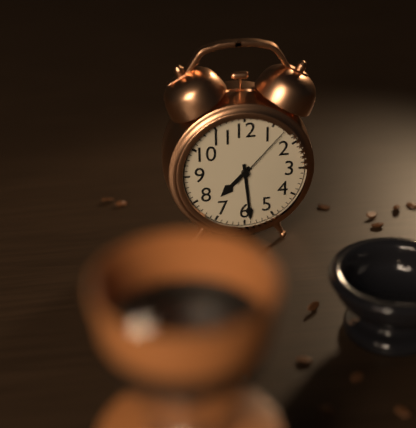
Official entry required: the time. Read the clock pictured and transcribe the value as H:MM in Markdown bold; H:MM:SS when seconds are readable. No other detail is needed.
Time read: **7:29:07**
